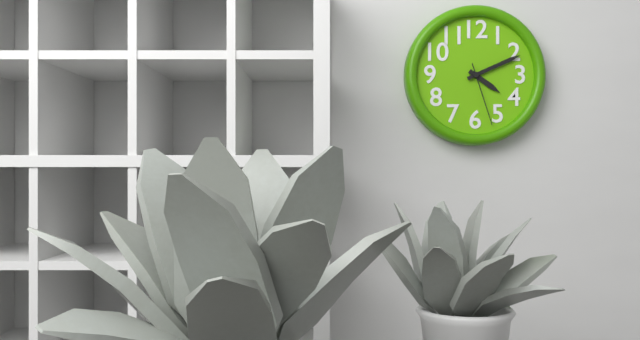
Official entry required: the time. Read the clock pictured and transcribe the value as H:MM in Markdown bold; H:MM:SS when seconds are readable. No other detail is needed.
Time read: **4:11:27**
